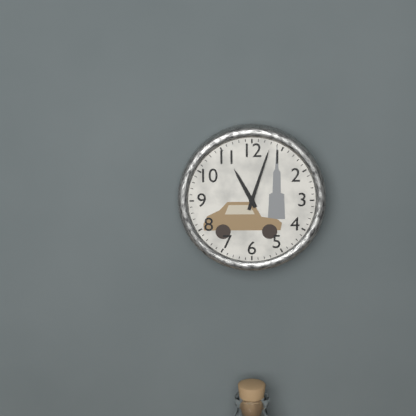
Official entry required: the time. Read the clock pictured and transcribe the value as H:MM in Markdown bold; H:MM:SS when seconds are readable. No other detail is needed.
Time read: **11:03**
